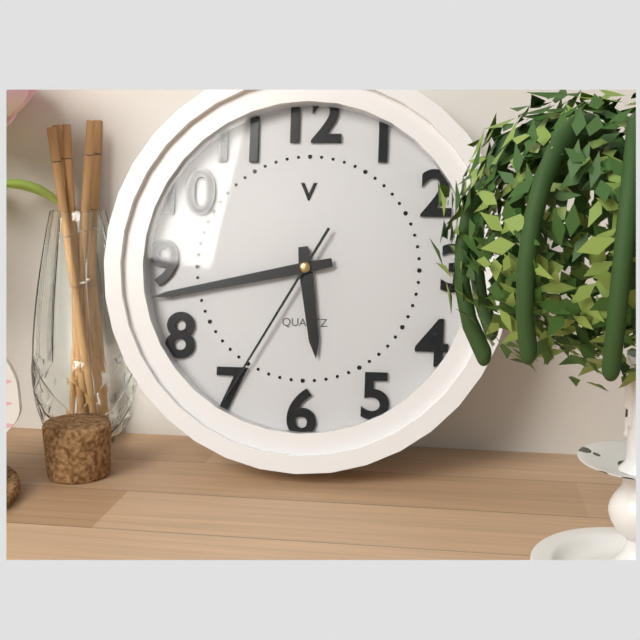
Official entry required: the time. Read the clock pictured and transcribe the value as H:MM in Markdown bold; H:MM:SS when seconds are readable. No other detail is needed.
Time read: **5:43:35**
